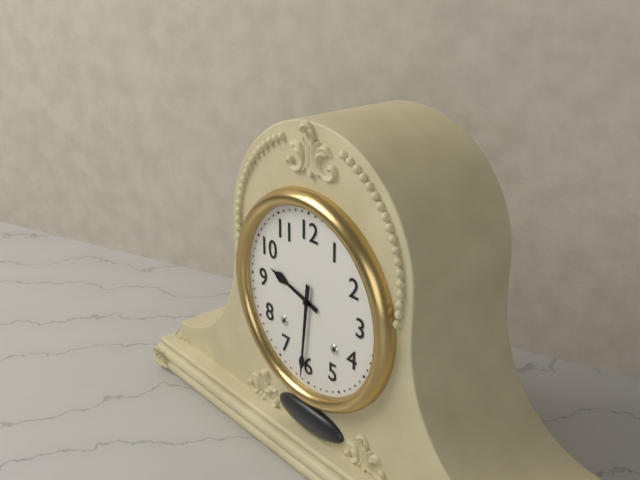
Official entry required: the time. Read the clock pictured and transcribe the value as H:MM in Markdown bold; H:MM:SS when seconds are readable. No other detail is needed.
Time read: **9:31**
